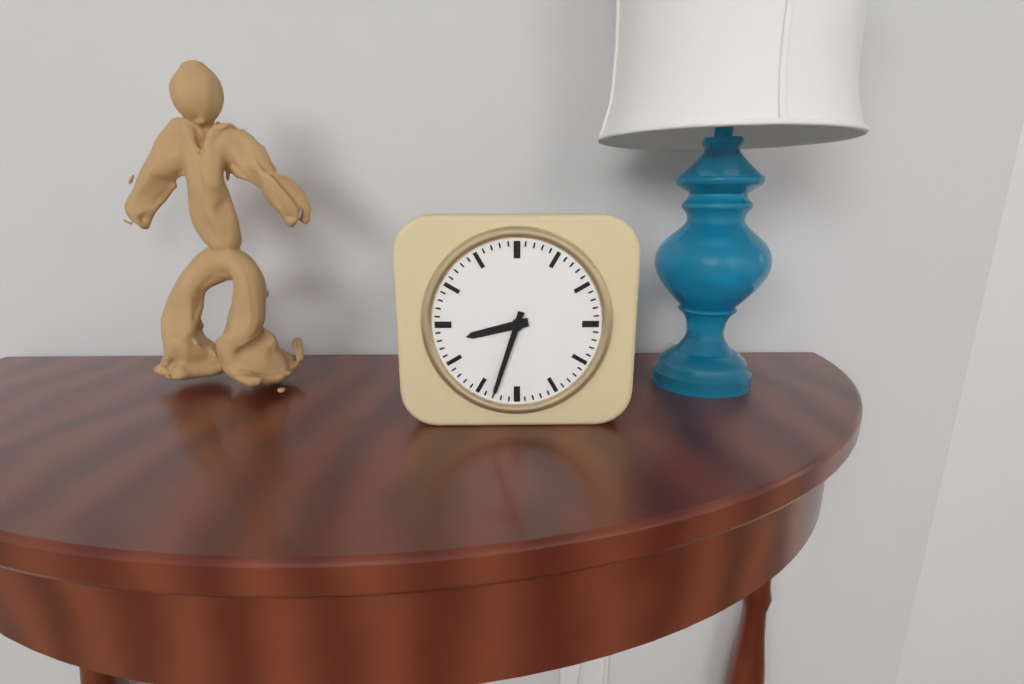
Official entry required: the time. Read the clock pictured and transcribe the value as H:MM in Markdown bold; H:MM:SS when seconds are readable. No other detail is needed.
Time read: **8:33**
